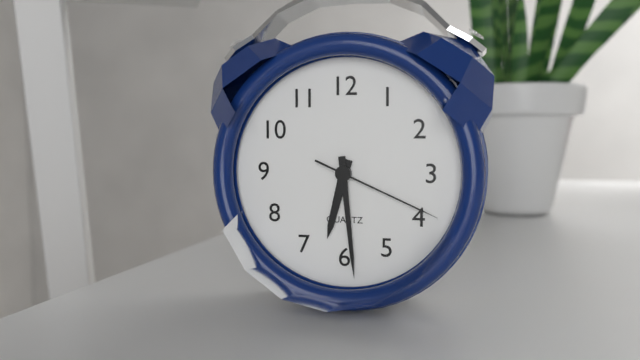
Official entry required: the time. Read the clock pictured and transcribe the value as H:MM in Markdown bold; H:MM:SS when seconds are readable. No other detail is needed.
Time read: **6:29:19**
